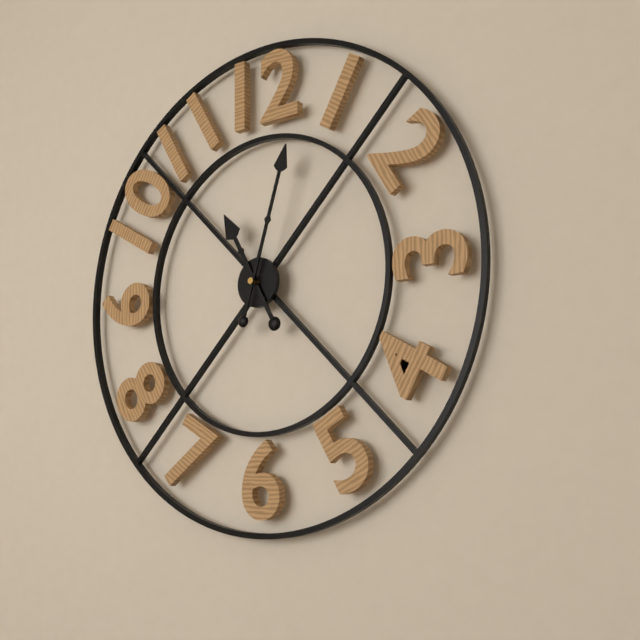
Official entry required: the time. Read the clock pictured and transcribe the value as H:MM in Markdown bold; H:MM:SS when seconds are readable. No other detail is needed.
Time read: **11:03**
